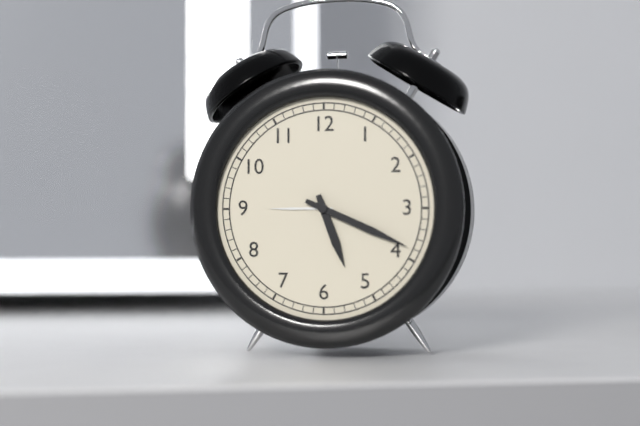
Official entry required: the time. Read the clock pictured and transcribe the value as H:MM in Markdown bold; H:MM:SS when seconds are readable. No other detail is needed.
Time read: **5:19**
